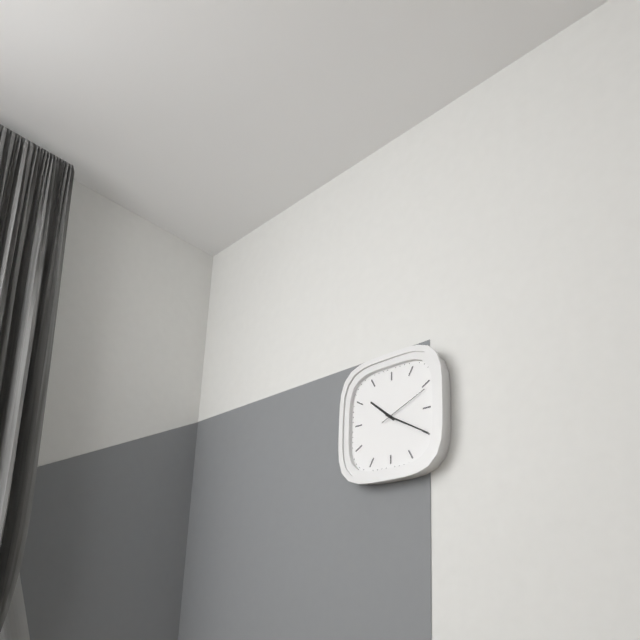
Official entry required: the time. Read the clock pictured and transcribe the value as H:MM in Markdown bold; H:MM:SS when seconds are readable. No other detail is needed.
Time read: **10:20:11**
